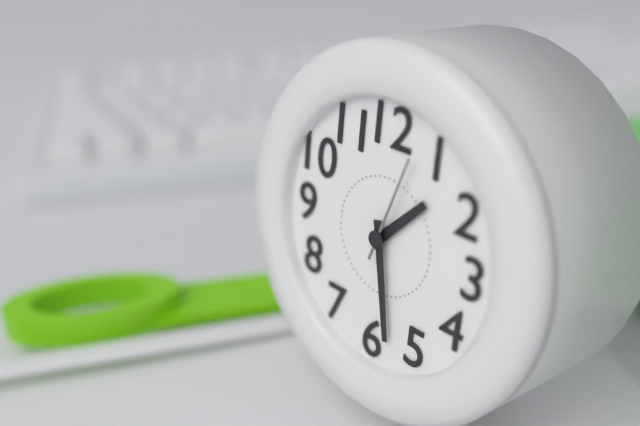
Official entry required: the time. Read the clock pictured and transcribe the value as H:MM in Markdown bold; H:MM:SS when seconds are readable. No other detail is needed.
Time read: **1:28:03**
